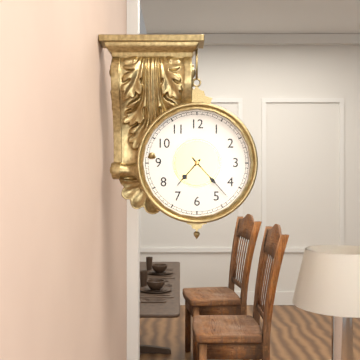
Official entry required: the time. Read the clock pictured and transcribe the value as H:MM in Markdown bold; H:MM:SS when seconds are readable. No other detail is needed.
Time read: **7:23**
